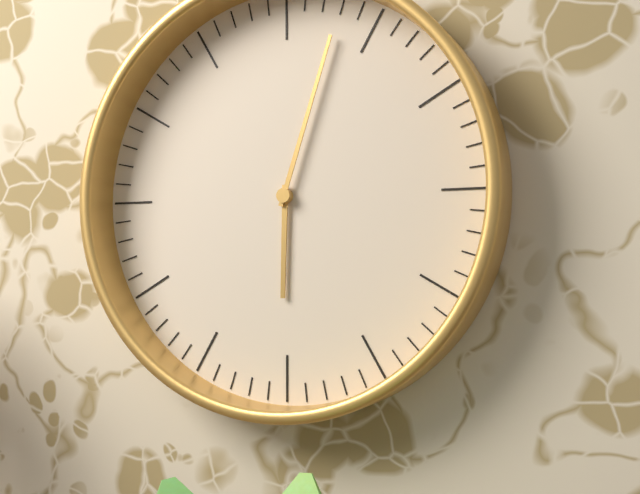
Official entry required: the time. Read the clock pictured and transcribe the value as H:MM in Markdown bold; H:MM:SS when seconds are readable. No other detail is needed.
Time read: **6:03**
